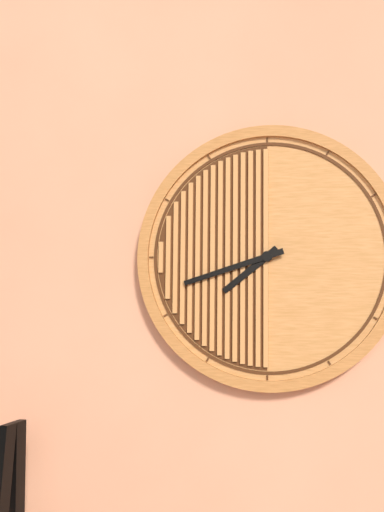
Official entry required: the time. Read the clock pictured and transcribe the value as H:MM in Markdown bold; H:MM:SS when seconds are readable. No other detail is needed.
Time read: **7:42**
